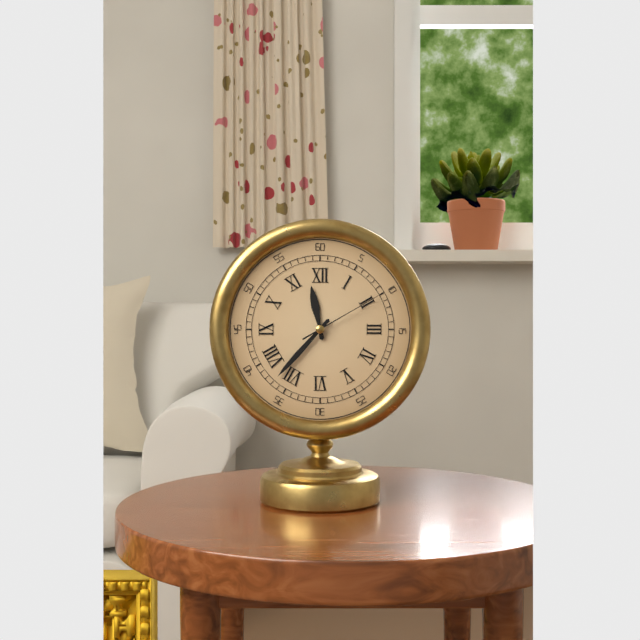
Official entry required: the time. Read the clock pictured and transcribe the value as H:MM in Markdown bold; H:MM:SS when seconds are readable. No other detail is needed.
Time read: **11:37:10**
